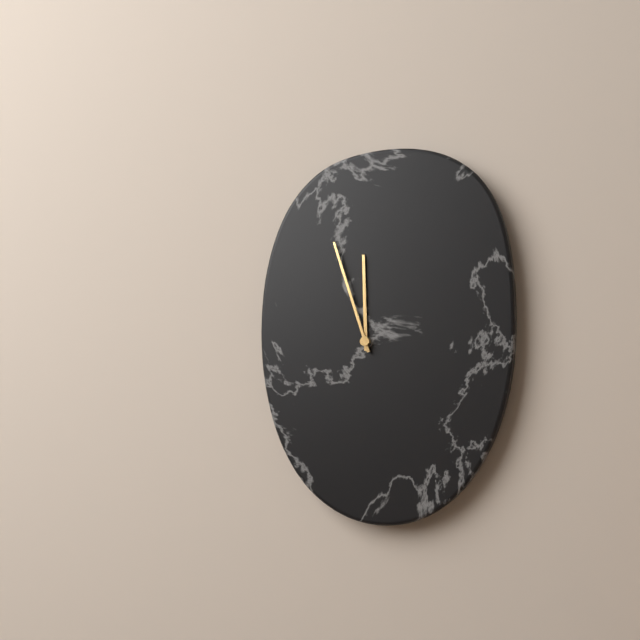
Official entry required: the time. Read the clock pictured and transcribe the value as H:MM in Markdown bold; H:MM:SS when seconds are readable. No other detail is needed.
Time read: **11:57**
